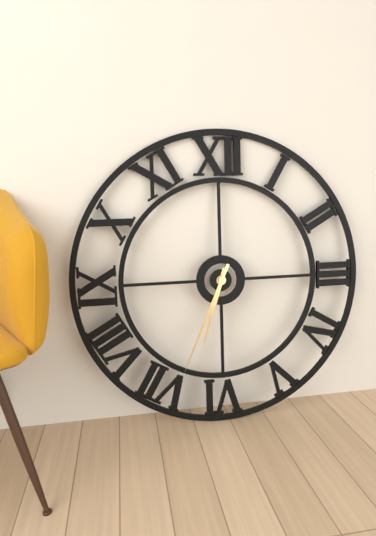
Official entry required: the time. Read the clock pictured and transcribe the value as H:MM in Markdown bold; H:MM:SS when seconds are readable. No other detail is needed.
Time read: **6:34**
